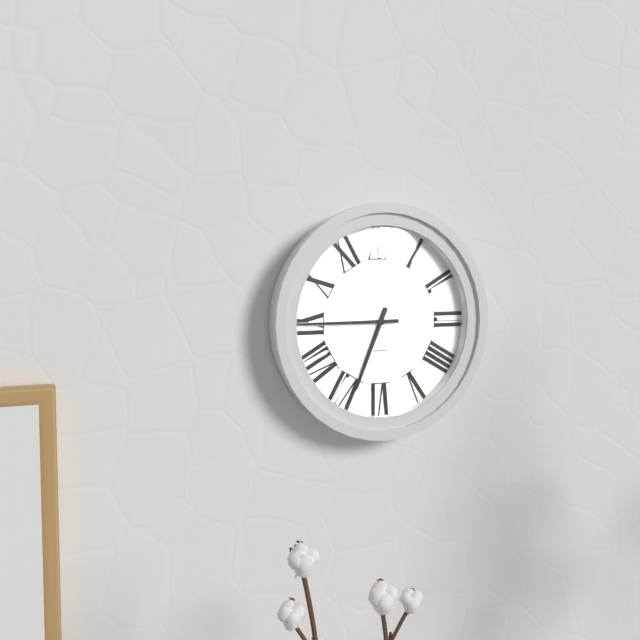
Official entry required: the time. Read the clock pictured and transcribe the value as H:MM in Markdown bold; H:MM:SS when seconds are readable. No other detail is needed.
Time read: **6:45**
